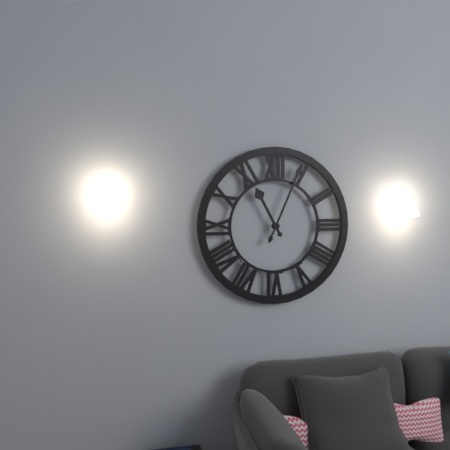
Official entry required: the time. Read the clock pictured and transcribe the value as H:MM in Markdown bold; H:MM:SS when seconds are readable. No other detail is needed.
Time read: **11:04**
